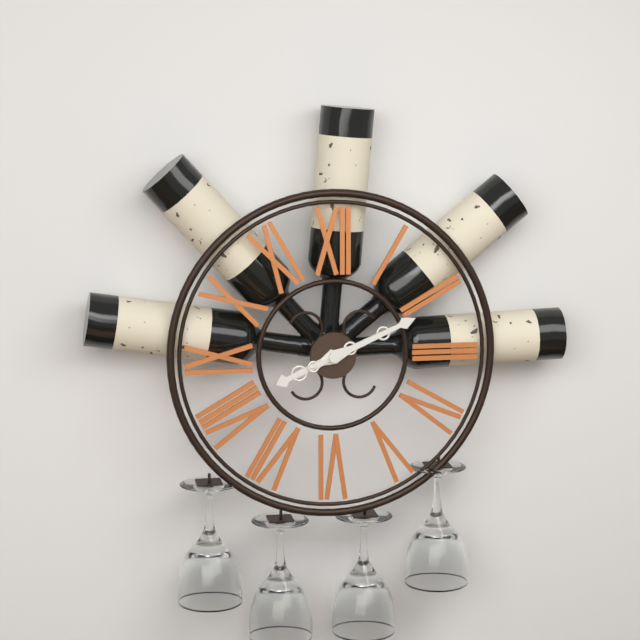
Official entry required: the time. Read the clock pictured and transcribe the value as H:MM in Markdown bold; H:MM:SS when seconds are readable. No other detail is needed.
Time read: **8:11**
